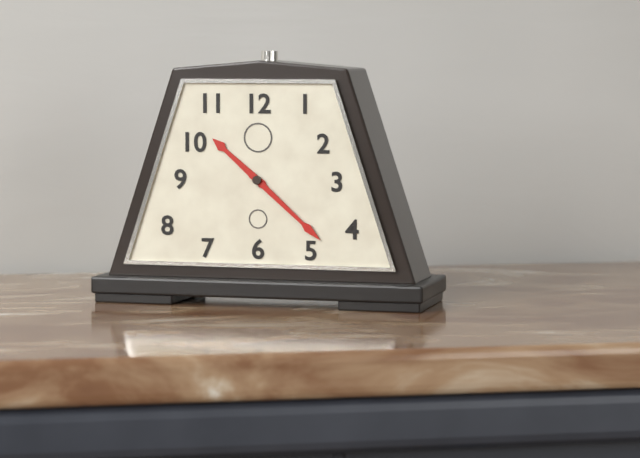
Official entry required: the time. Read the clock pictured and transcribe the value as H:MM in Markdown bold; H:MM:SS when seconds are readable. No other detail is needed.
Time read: **10:22**
